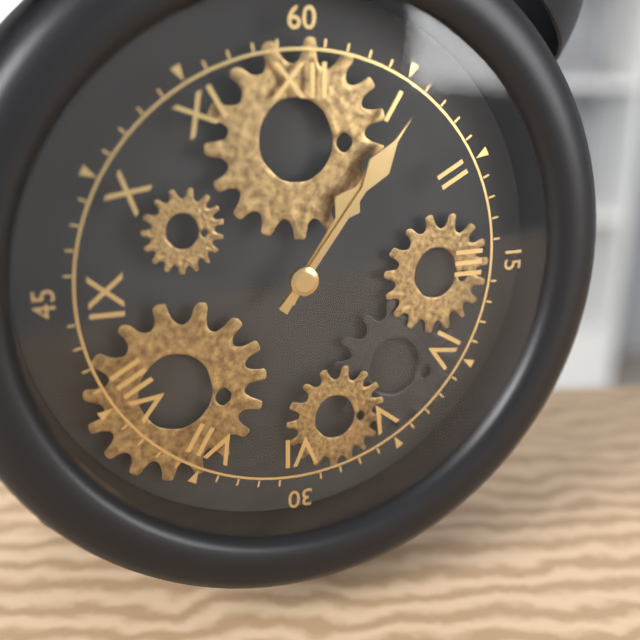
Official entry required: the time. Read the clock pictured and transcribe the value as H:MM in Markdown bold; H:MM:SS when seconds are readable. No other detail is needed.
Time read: **1:06**
